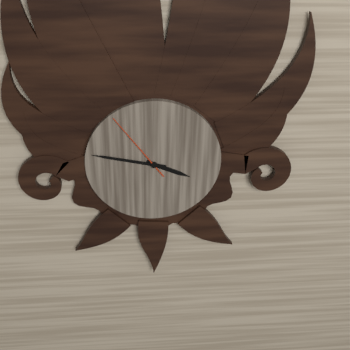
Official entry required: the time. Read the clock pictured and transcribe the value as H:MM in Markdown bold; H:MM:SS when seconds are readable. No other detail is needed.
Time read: **3:47:54**
